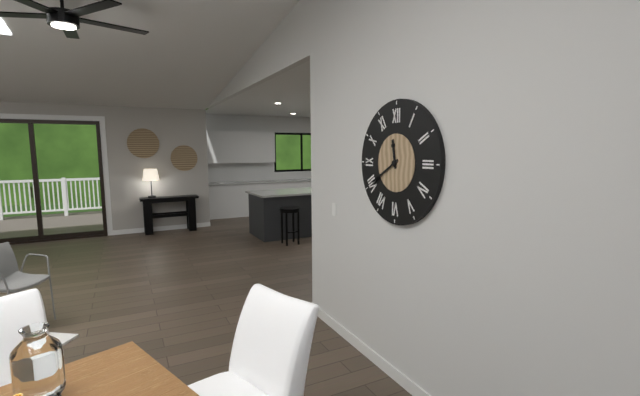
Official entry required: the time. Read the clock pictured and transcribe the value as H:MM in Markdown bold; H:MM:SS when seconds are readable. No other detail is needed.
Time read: **11:40**
